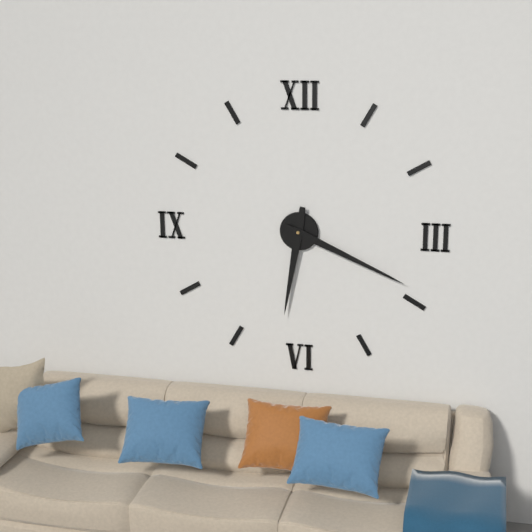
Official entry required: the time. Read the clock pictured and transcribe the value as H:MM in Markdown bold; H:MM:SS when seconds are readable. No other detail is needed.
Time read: **6:19**
